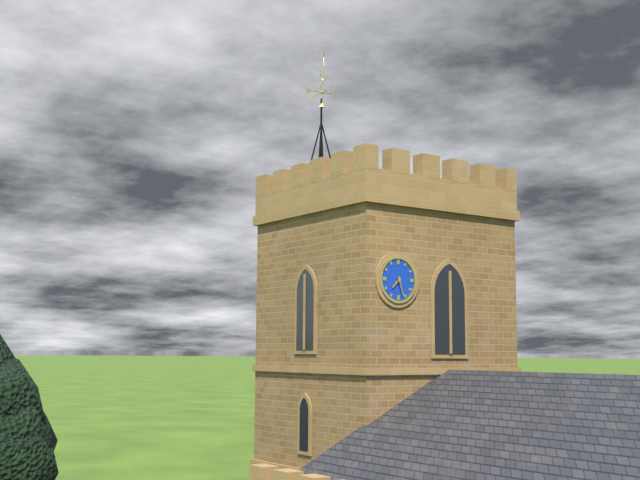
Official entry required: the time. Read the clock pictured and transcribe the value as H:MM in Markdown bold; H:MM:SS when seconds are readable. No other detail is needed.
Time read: **7:27**
